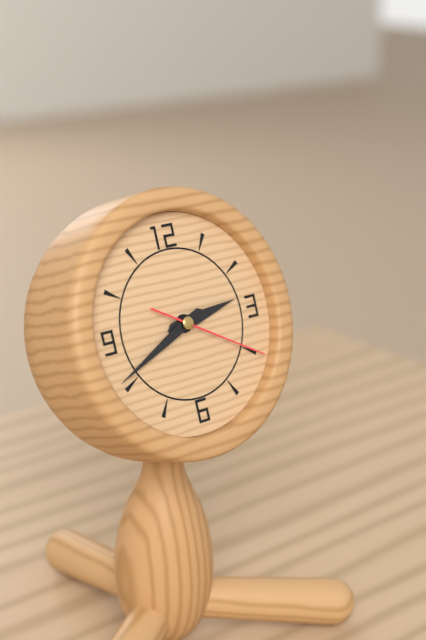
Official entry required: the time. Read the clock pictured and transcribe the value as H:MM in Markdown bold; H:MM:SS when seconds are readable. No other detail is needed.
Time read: **2:41:20**
